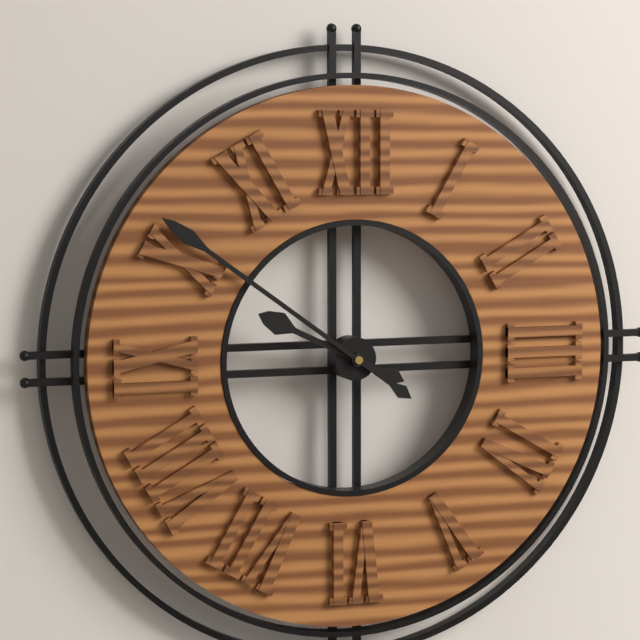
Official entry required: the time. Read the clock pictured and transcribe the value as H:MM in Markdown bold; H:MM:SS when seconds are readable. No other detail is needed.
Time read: **9:51**
